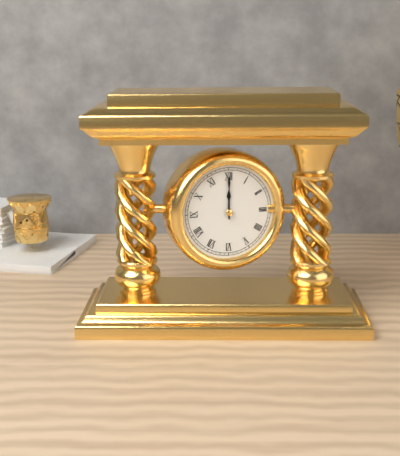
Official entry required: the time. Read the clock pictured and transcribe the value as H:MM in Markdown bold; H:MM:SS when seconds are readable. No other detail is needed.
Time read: **12:00**
